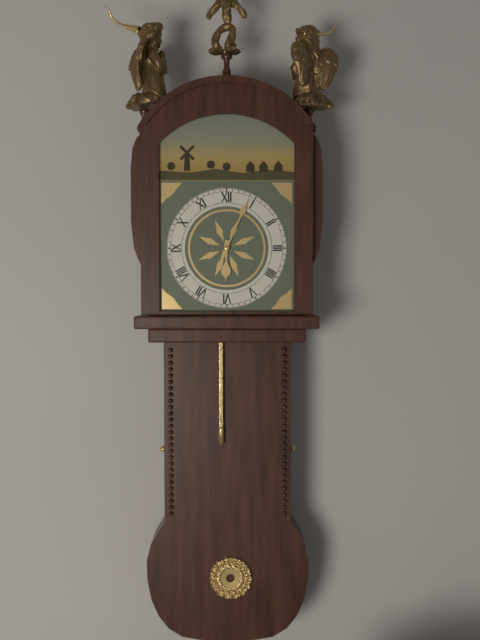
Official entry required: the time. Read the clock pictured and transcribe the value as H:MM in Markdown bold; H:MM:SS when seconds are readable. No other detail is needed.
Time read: **6:04**
